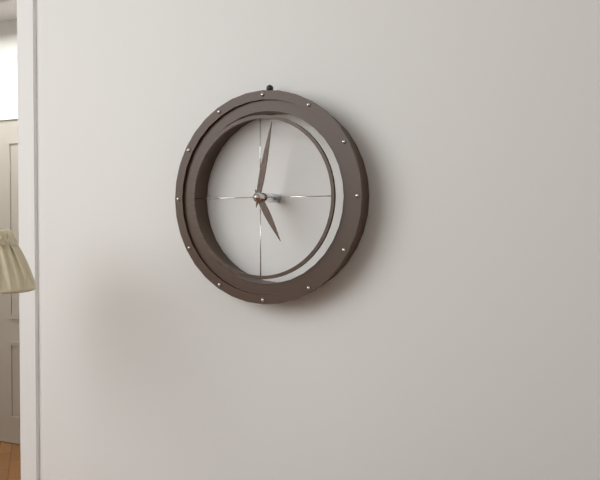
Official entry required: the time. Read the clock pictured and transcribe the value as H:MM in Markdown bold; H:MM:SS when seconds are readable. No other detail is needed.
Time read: **5:02**
